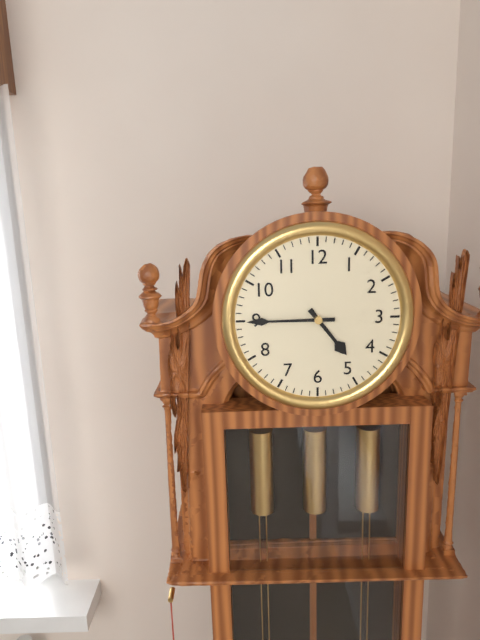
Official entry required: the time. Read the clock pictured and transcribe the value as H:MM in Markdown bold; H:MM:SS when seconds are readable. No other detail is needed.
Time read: **4:45**
